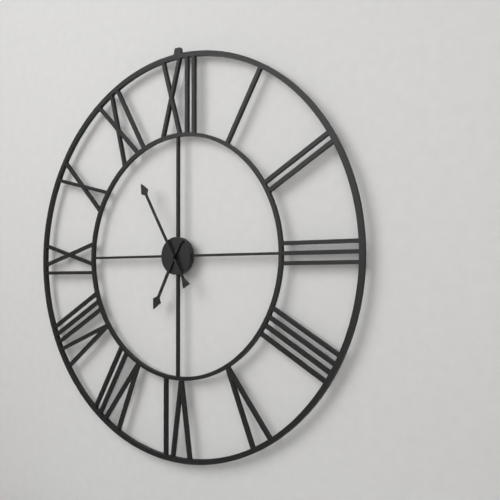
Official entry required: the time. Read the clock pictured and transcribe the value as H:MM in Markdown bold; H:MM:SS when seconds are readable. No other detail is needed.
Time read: **6:55**
